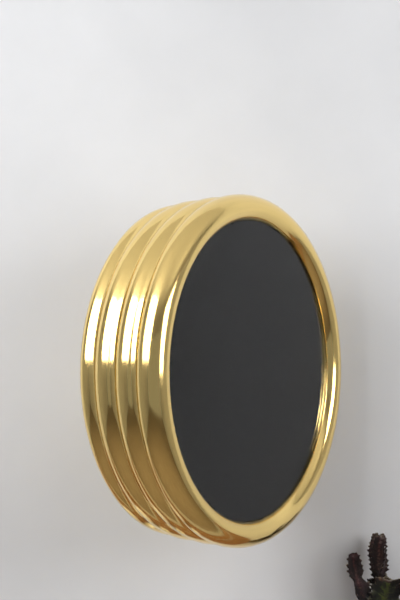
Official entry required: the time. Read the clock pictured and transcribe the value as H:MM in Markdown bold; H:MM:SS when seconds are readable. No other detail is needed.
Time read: **5:19:57**
